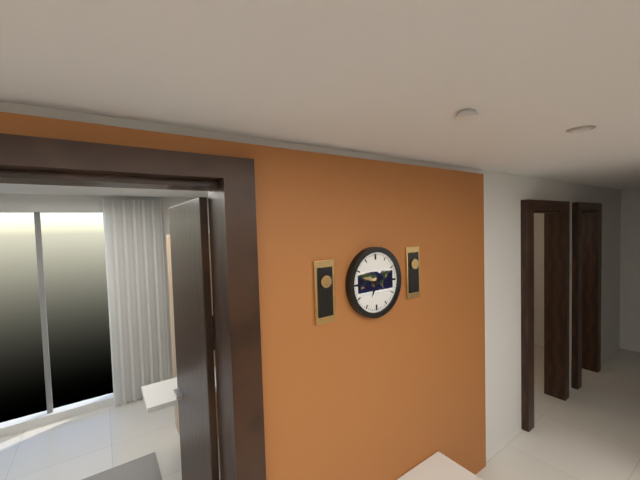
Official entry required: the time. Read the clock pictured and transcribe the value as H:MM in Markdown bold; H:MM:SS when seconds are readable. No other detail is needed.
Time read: **6:47**
